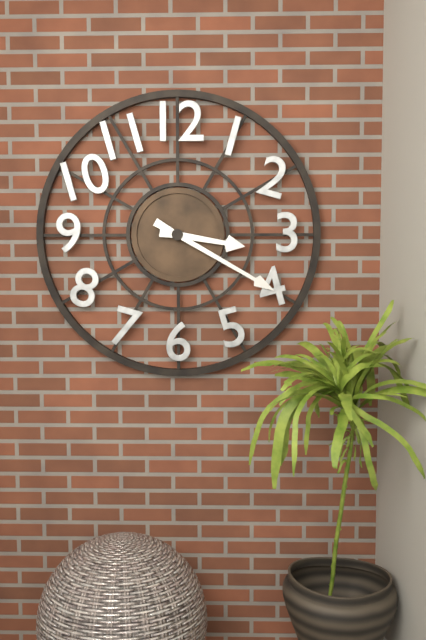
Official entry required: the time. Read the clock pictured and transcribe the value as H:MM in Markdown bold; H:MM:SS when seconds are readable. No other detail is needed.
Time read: **3:20**
